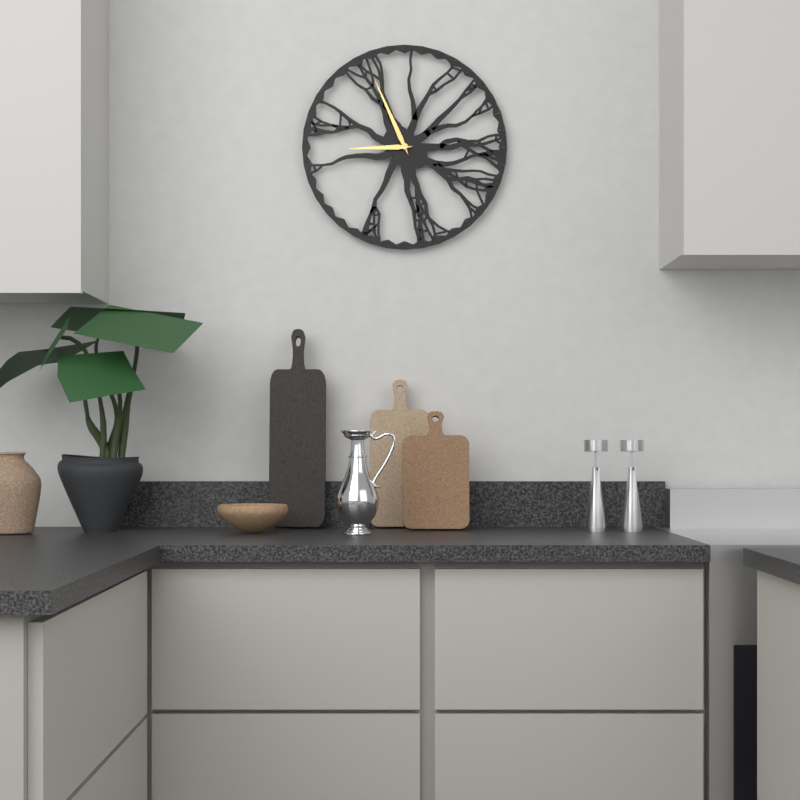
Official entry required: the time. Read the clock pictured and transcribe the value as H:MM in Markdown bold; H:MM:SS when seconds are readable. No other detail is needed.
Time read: **8:56**
